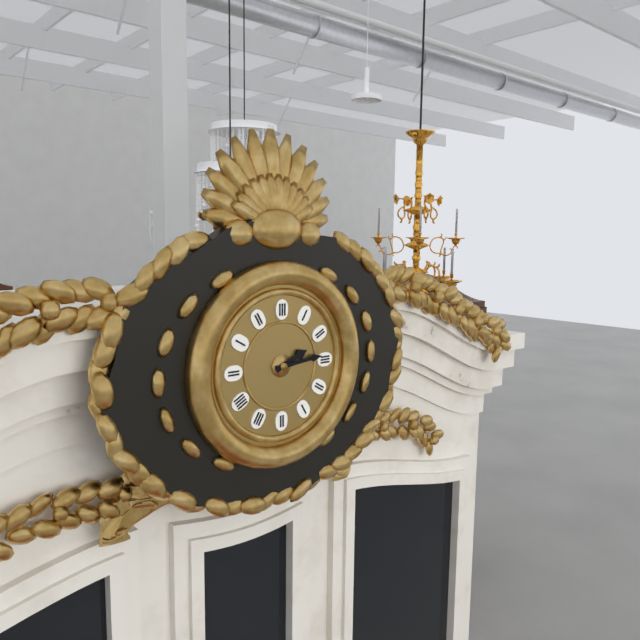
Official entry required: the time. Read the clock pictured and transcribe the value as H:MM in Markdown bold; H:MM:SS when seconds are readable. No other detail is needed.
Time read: **2:14**
